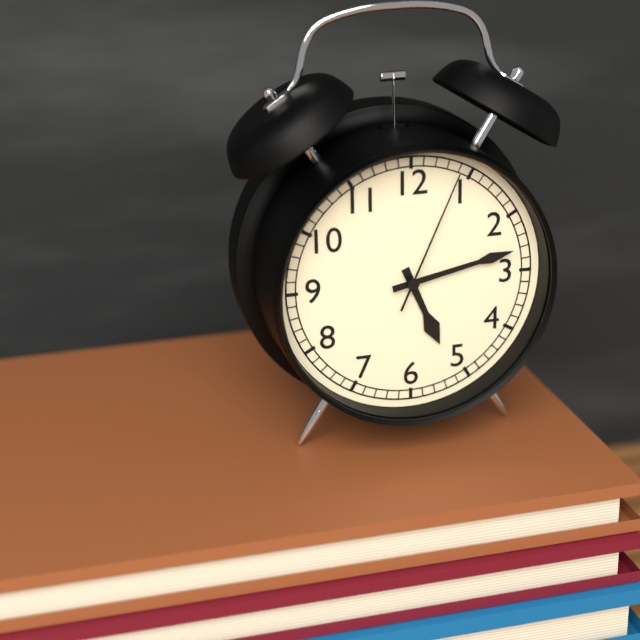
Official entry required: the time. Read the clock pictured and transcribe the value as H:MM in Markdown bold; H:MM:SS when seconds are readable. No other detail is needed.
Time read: **5:13:04**
